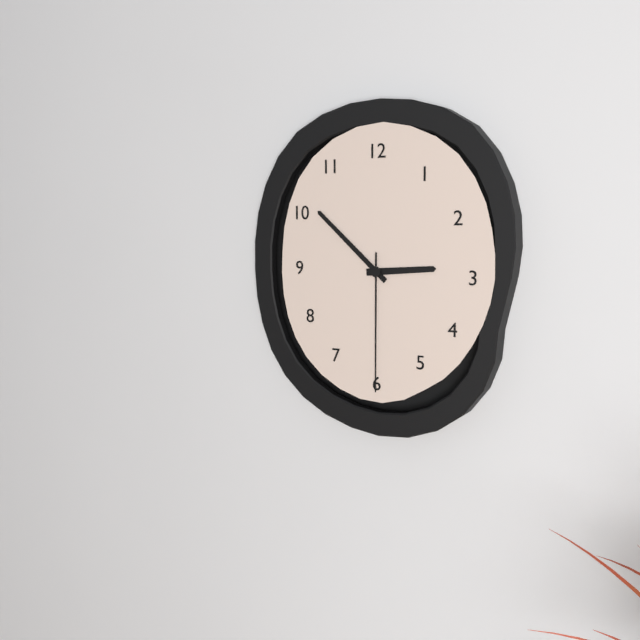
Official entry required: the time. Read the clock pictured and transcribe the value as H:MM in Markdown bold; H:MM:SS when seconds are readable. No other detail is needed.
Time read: **2:52:30**
